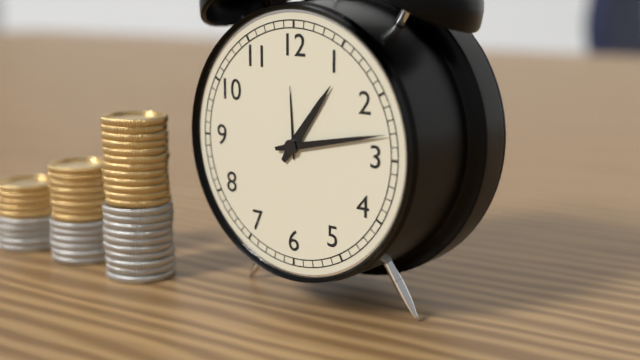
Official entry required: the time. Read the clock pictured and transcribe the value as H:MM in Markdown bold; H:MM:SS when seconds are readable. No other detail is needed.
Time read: **1:13**
